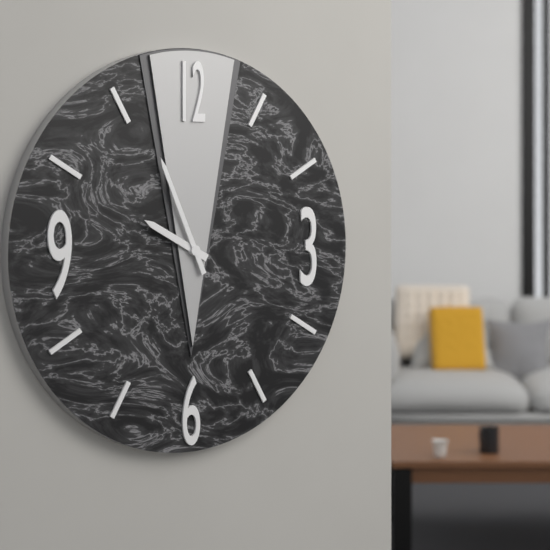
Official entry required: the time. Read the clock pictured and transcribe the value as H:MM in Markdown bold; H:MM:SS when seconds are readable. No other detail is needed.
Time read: **9:56**
